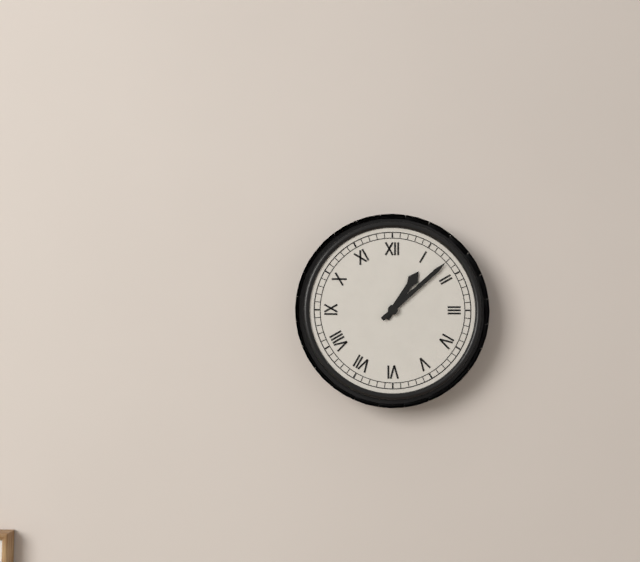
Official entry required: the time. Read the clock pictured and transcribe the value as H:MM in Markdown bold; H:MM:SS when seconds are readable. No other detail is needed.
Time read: **1:08**
